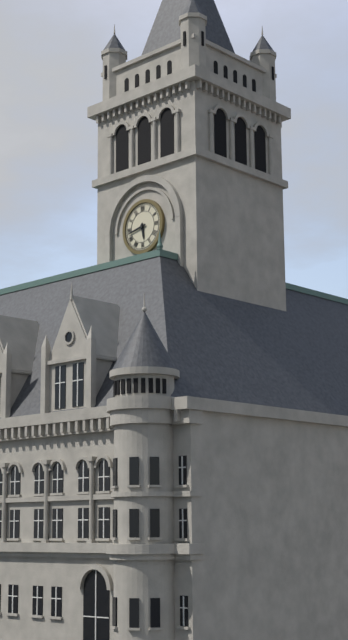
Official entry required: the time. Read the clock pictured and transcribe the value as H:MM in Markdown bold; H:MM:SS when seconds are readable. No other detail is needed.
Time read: **5:43**
